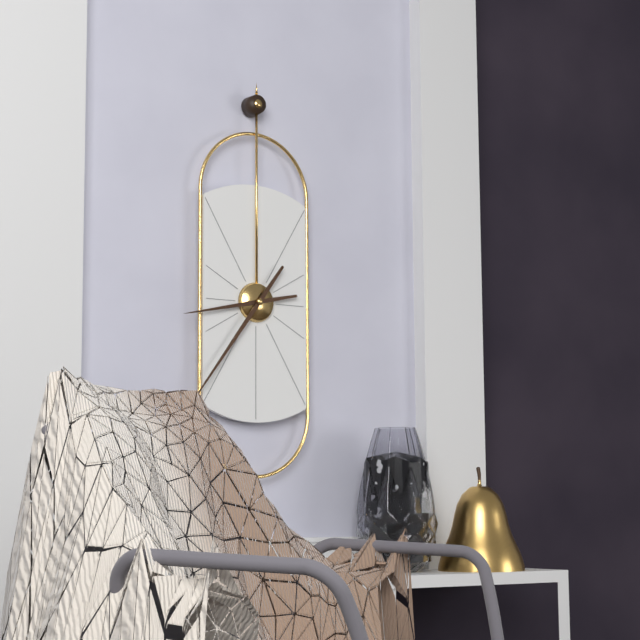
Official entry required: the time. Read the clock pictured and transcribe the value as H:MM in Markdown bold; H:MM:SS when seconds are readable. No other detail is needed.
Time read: **8:36**
